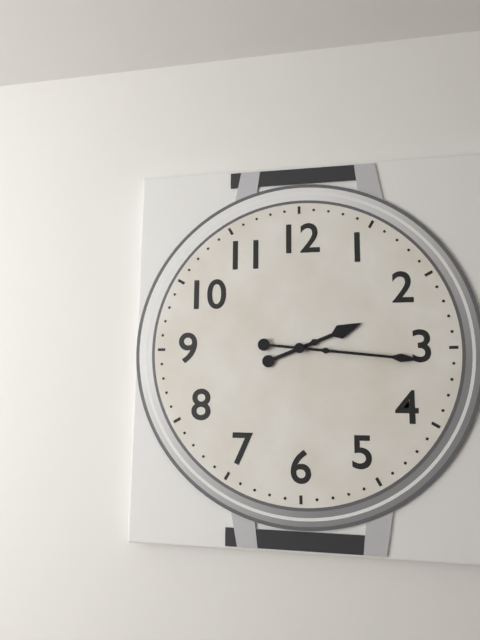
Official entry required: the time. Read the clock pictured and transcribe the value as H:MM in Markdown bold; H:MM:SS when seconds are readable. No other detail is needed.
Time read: **2:16**
